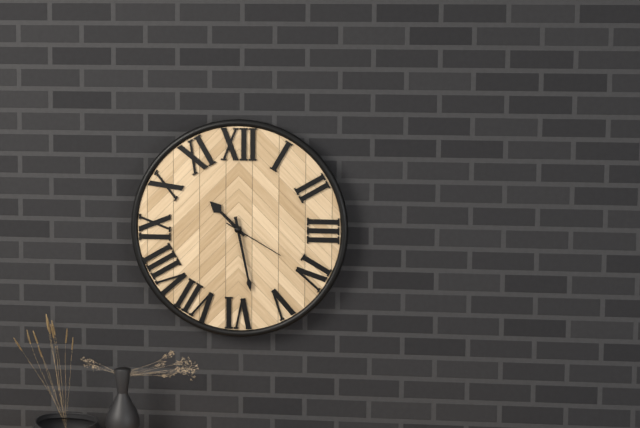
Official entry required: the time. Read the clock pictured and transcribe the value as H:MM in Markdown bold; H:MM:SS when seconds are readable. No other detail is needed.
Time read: **10:28:20**
